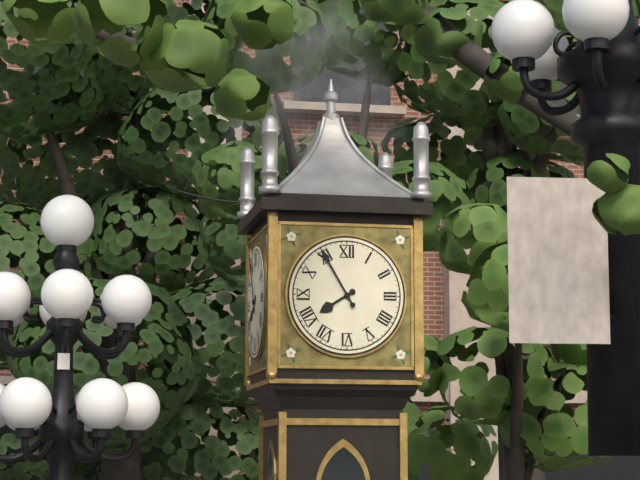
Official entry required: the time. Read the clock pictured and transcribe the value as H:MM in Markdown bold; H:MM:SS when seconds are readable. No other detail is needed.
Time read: **7:55**
